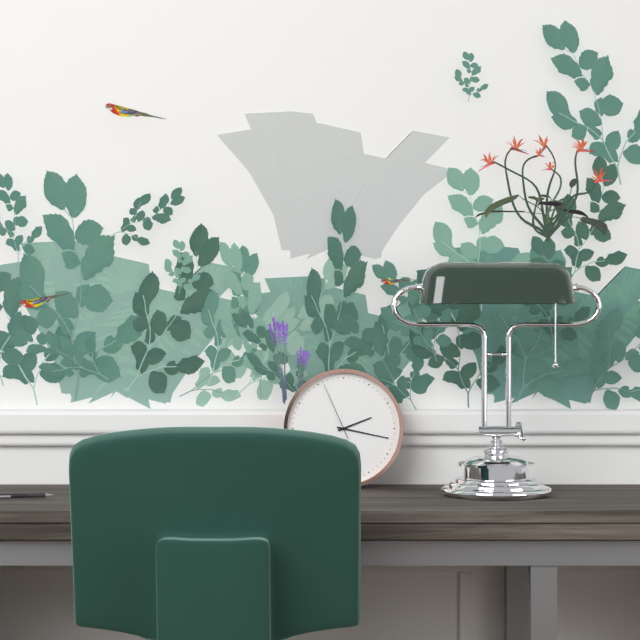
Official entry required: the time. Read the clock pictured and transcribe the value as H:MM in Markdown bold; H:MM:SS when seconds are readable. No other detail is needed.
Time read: **2:17:56**
